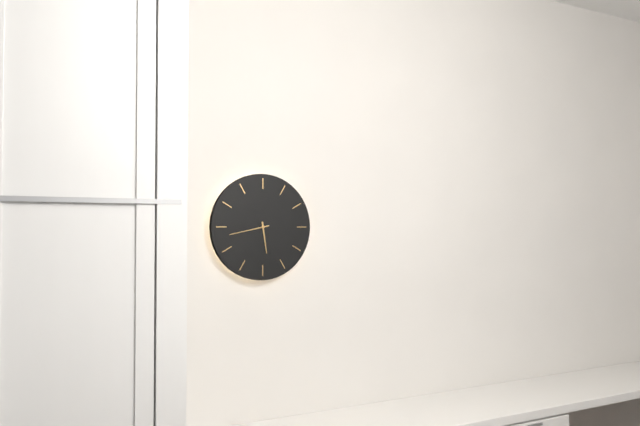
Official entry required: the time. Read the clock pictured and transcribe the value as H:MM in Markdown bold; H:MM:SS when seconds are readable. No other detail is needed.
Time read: **5:43**
